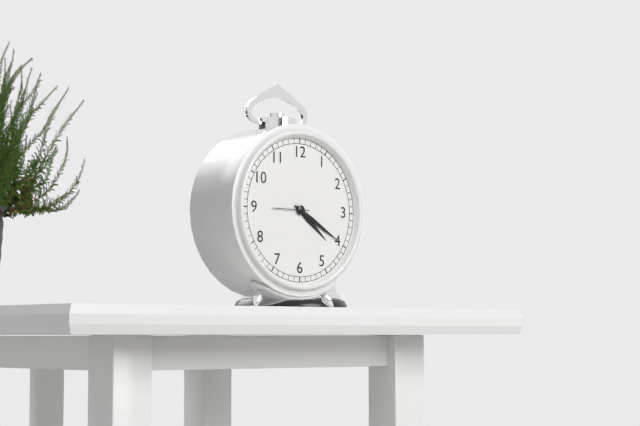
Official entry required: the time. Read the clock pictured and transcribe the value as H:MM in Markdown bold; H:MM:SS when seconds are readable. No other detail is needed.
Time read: **4:20**
